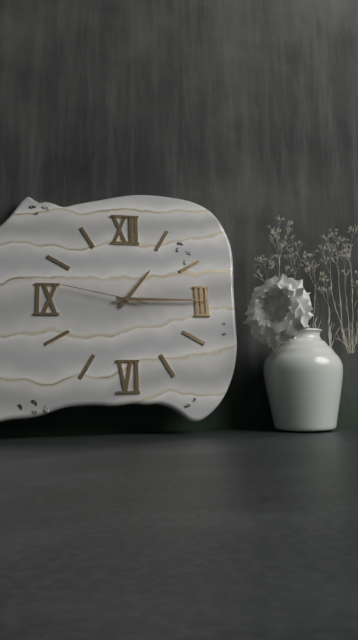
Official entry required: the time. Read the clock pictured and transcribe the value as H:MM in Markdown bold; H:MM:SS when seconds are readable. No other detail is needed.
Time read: **1:15:47**
